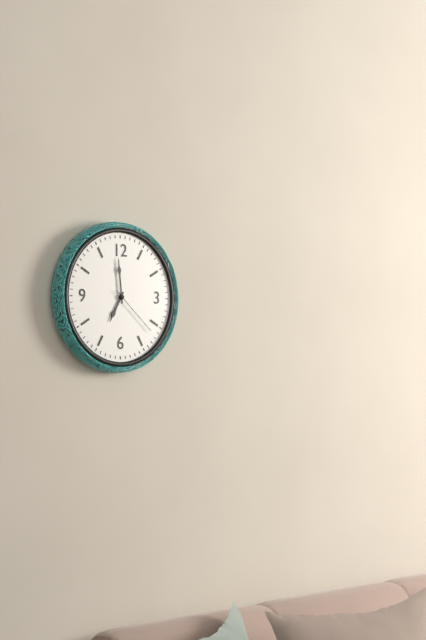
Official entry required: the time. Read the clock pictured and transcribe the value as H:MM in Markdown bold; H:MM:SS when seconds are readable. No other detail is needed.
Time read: **6:59:22**
